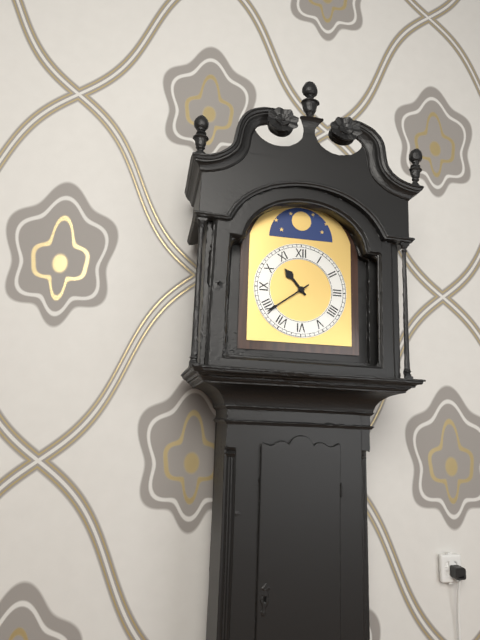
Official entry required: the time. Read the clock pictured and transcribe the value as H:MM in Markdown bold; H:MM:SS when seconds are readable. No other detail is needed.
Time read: **10:39**
